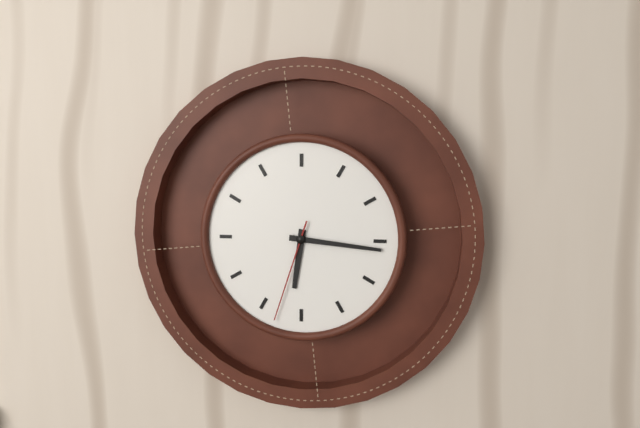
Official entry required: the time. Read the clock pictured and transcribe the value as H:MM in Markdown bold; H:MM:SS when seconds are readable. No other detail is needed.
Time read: **6:16:33**
